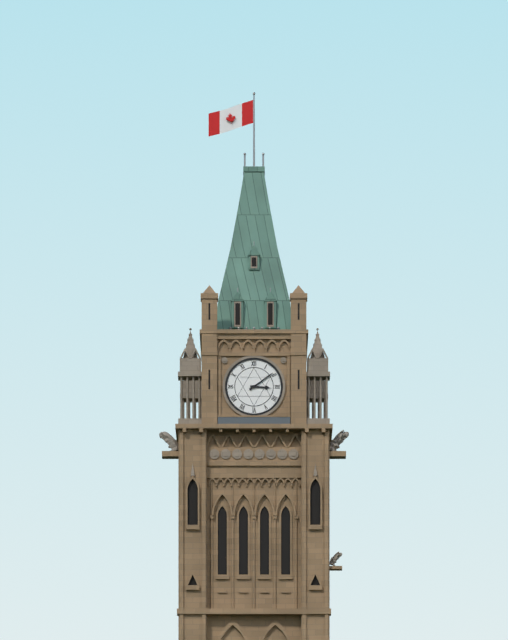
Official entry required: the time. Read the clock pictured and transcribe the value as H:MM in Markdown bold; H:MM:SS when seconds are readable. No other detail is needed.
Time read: **3:09**
